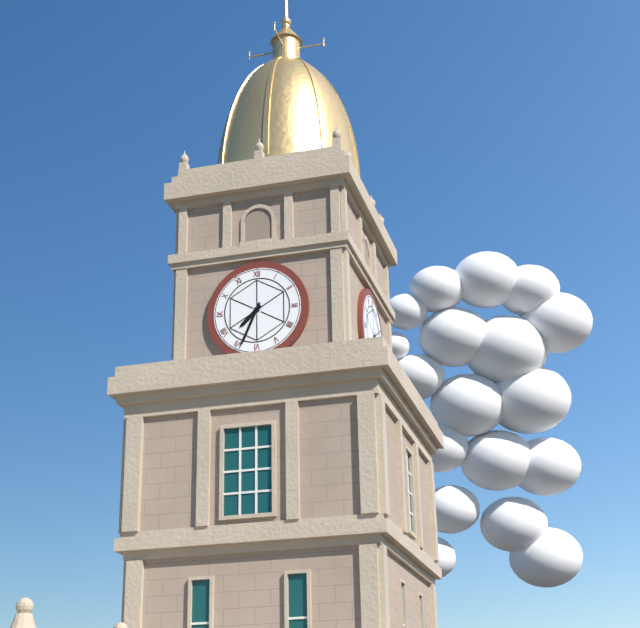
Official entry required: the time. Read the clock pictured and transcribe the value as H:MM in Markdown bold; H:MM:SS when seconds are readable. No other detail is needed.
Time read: **7:34**
